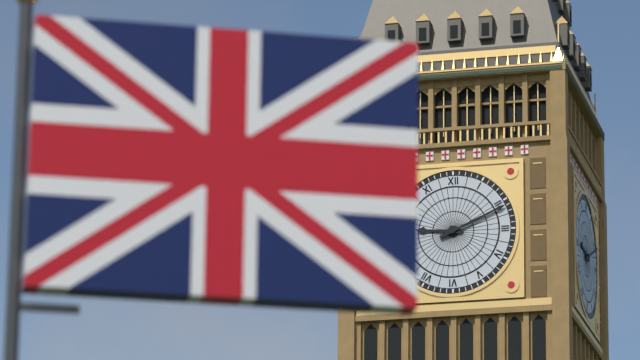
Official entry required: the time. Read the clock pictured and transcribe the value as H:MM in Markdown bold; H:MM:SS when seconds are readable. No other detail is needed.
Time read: **9:11**
